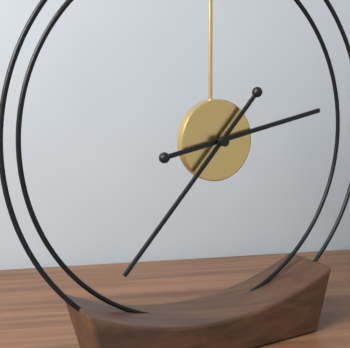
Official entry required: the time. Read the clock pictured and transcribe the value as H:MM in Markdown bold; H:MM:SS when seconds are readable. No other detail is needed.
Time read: **2:37**
